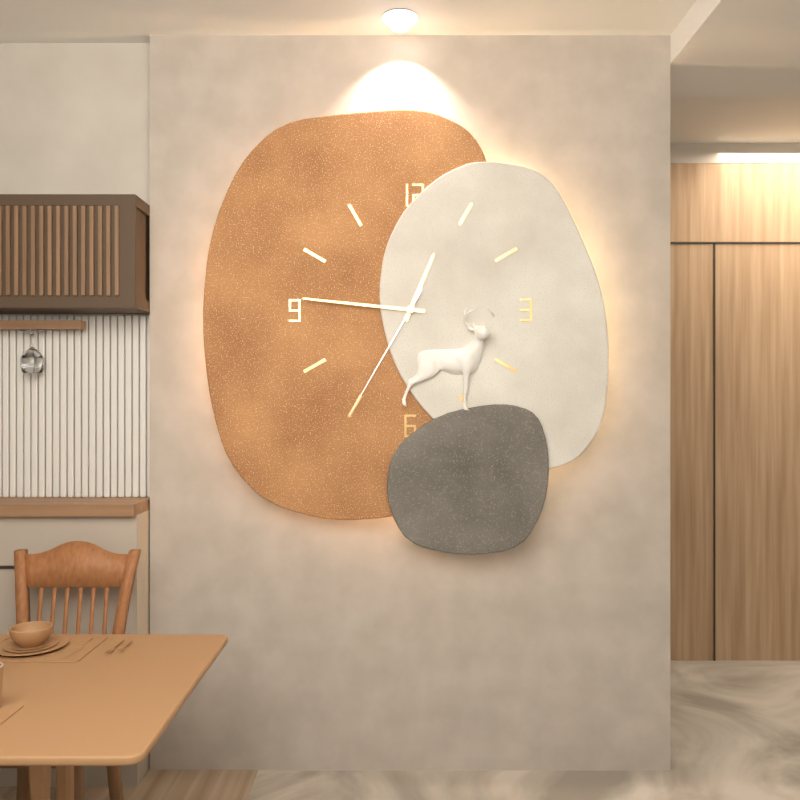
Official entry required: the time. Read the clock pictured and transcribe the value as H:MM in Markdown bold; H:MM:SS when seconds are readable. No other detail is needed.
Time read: **12:46:35**
